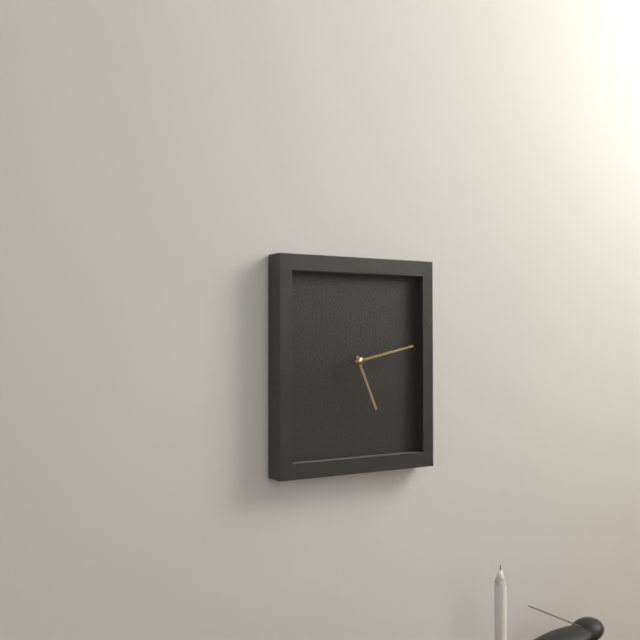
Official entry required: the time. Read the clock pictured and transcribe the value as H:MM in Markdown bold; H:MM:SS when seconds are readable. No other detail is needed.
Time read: **5:13**
